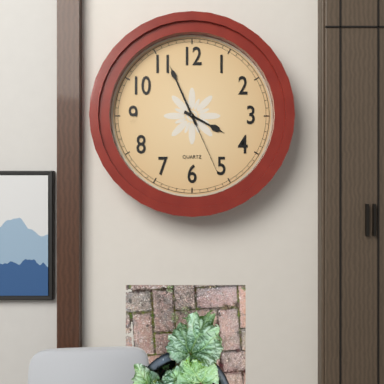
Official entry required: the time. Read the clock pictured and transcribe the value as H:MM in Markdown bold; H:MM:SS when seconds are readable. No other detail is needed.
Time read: **3:56:26**
